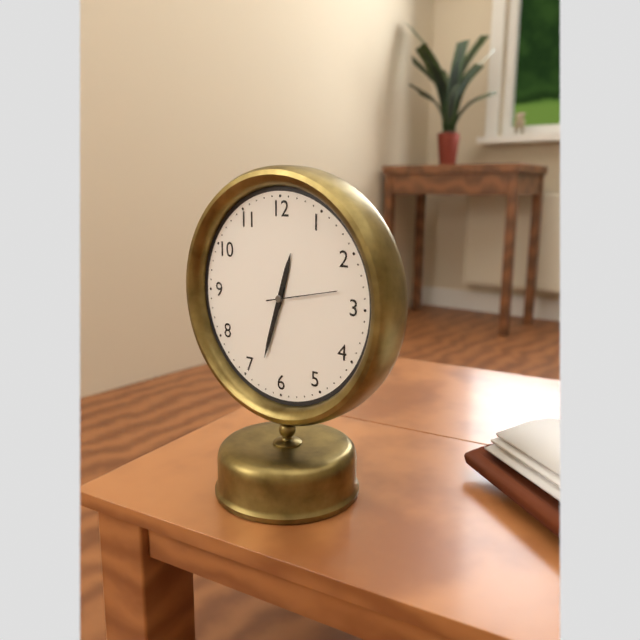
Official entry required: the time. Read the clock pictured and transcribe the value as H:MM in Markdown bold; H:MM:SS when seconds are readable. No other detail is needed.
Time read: **12:33:13**
